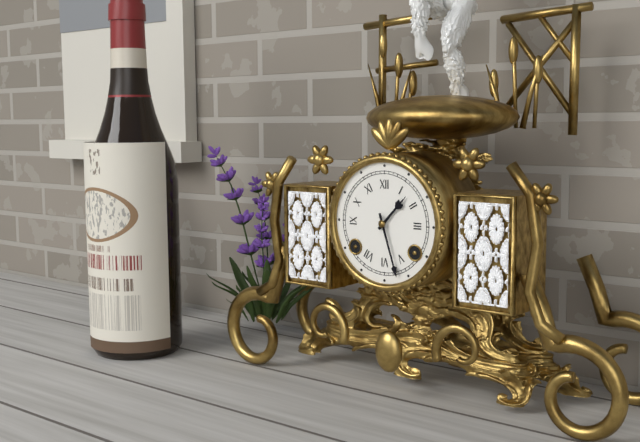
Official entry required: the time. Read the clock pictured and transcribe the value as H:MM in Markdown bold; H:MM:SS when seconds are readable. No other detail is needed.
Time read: **1:27**
